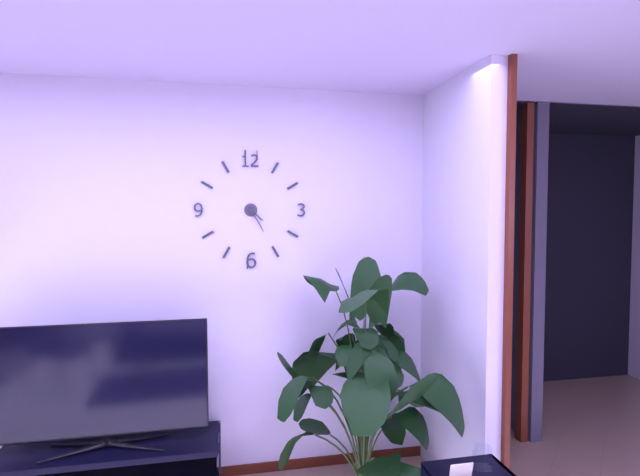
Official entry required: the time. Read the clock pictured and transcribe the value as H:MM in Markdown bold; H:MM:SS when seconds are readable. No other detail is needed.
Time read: **4:25**
